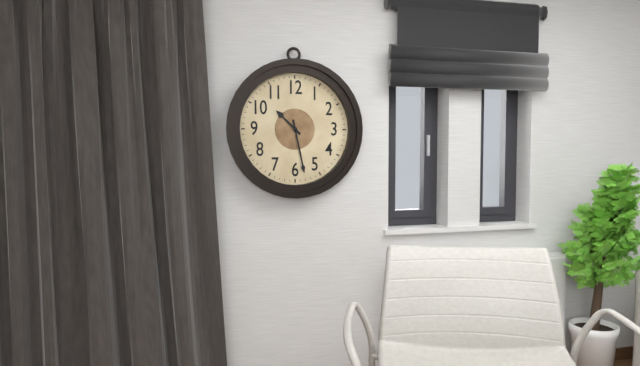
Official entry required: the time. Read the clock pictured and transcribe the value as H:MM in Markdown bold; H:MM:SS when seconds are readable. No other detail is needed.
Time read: **10:28**
